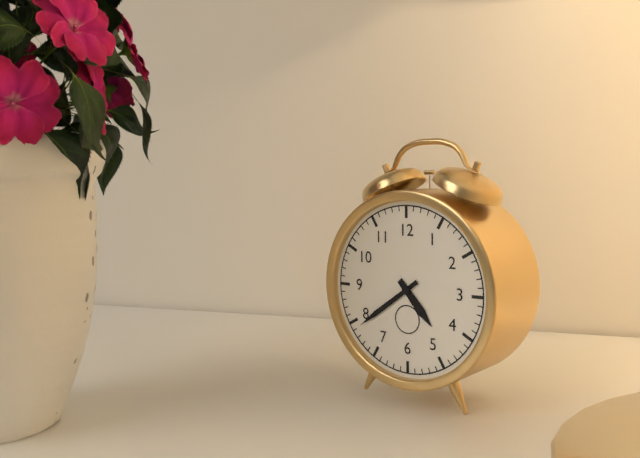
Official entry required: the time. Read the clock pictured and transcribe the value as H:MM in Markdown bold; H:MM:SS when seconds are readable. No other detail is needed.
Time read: **4:39**
